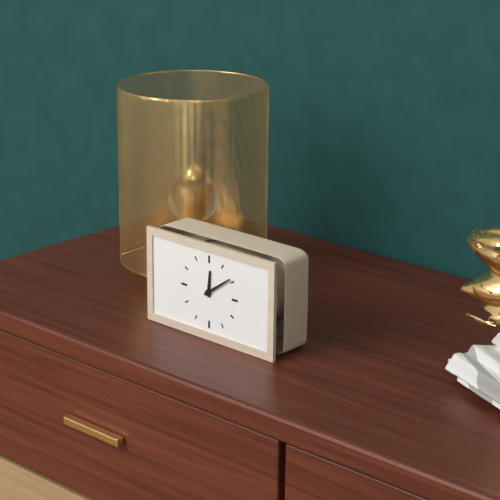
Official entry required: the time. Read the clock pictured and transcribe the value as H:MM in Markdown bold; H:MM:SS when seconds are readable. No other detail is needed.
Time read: **12:09**
